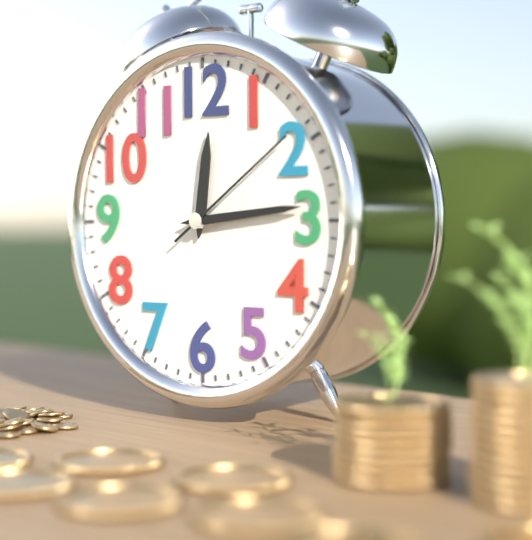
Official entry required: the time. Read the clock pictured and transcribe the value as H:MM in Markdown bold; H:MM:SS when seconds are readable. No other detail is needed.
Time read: **12:14:09**
